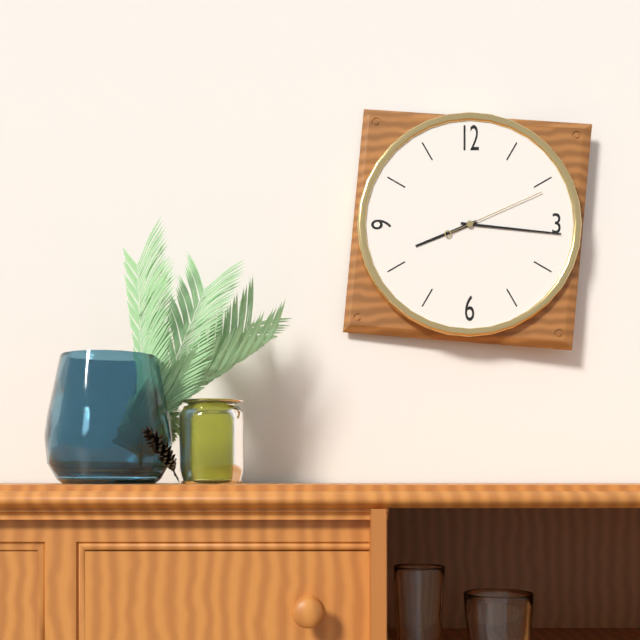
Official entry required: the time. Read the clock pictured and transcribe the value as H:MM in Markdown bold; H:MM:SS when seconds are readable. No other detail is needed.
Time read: **8:16:11**
